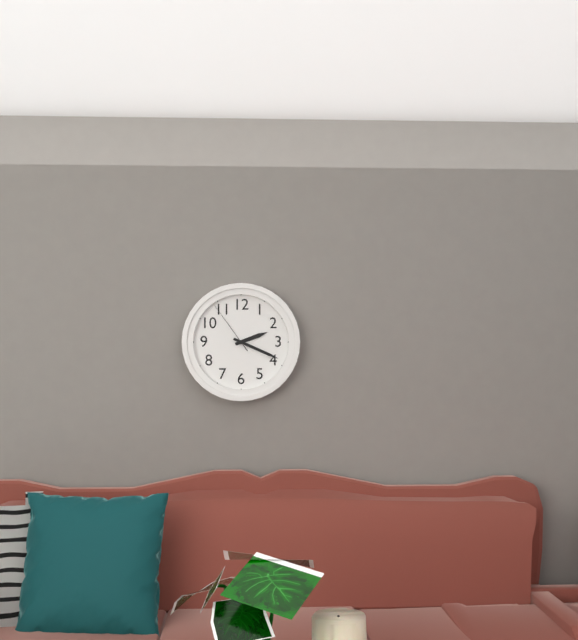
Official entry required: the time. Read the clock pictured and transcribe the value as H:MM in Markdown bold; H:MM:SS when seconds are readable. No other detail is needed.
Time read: **2:19:54**
